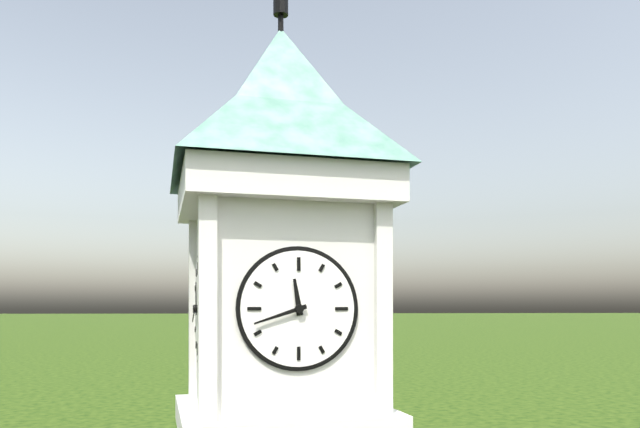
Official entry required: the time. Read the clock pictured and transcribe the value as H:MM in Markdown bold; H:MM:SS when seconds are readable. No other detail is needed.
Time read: **11:42**
